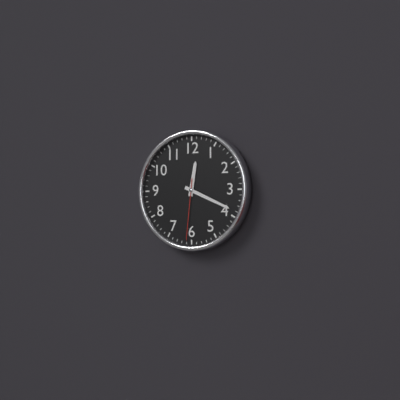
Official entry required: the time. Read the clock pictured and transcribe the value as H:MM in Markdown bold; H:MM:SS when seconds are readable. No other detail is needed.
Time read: **12:19:31**
